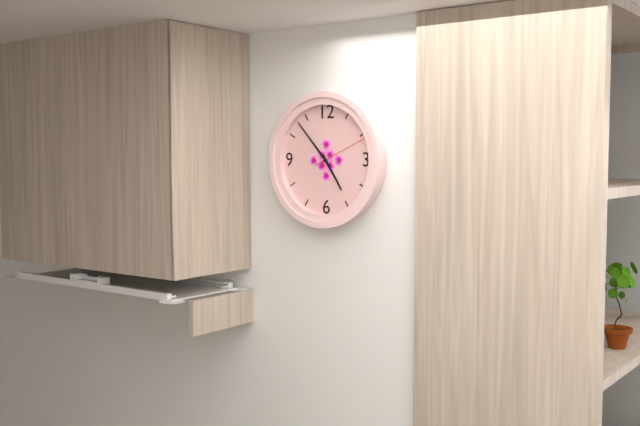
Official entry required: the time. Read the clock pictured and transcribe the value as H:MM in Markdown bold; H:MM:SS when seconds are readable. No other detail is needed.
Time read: **4:53:11**
